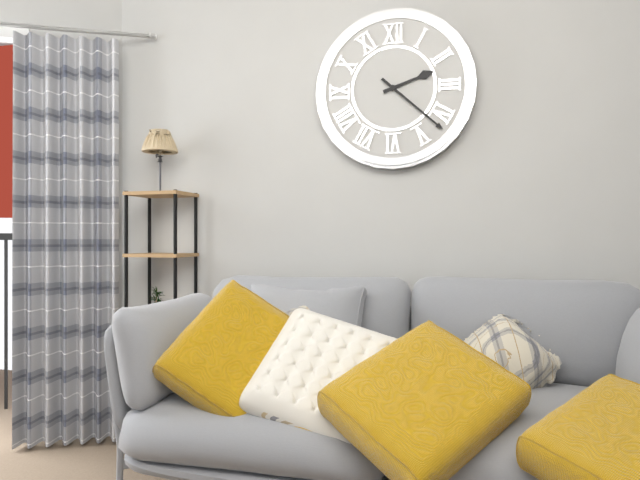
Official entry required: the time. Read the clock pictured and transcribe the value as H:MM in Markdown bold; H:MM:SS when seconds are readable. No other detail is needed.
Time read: **2:22**
